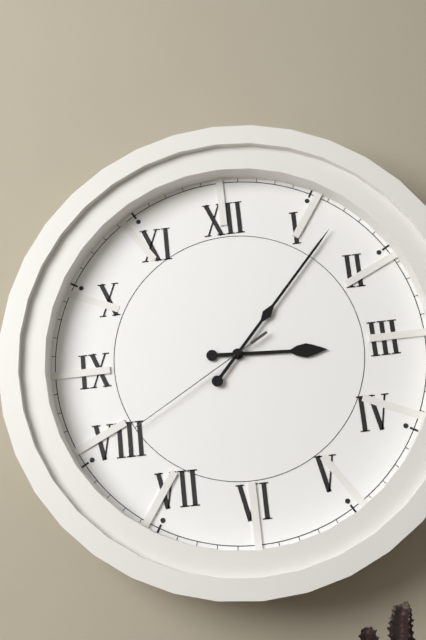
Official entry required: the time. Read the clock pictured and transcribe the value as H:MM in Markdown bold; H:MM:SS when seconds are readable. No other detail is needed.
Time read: **3:07:40**
